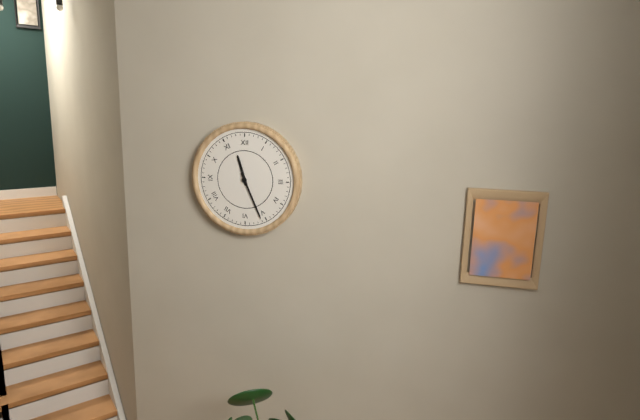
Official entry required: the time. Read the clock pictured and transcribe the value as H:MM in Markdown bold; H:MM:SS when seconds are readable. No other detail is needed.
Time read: **11:26**
